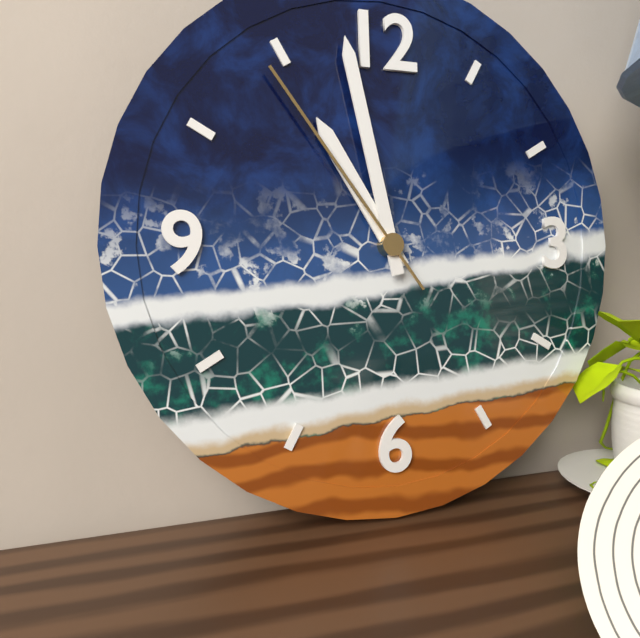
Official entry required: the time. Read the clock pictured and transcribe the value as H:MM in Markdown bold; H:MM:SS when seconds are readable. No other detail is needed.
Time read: **10:58:54**
